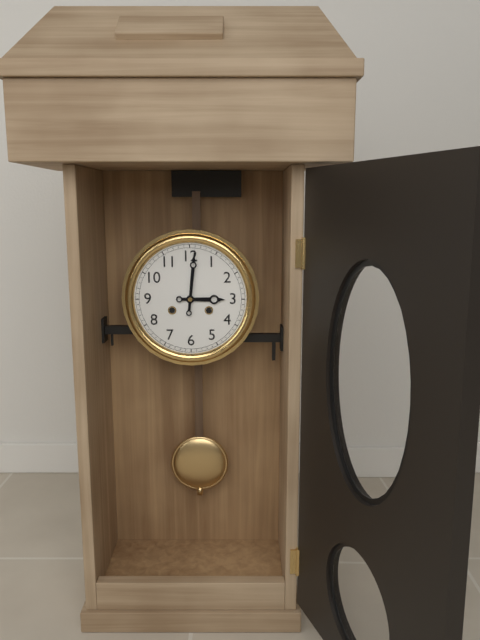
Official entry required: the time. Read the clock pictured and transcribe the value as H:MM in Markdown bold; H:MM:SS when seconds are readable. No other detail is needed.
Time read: **3:01**
